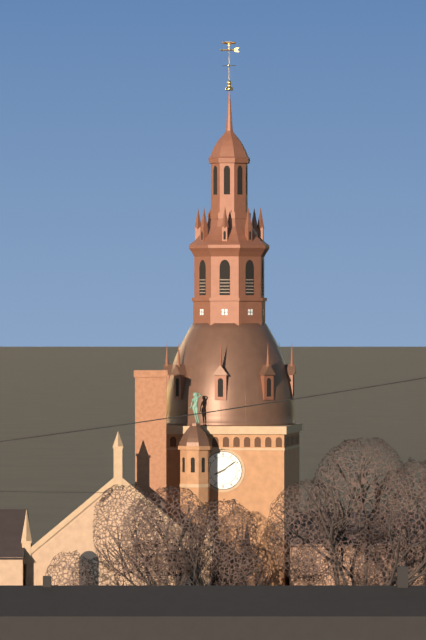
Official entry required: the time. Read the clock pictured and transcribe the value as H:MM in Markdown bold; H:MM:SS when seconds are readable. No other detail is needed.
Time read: **8:09**
